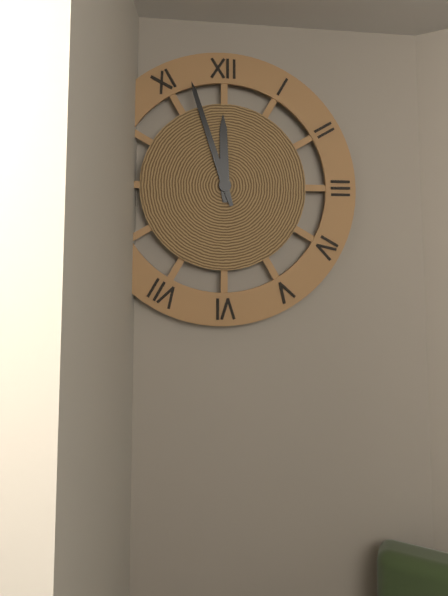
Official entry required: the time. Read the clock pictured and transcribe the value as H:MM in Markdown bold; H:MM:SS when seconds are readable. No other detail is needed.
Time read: **11:57**
